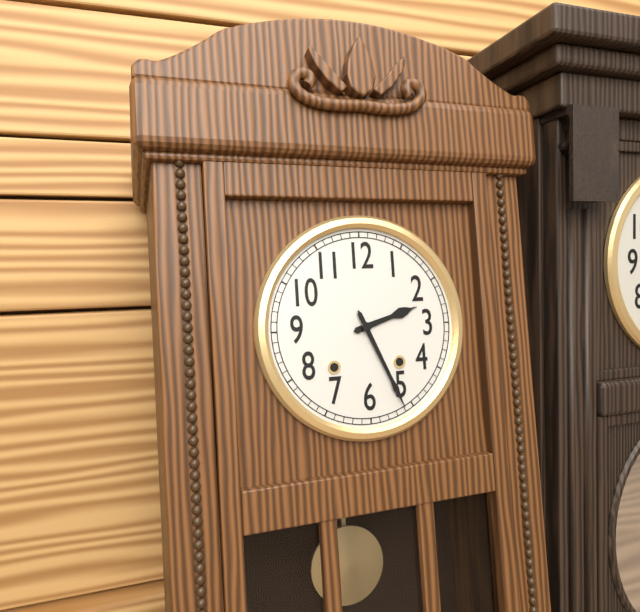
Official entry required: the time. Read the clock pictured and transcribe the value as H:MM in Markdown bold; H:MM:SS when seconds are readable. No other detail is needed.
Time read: **2:26**
